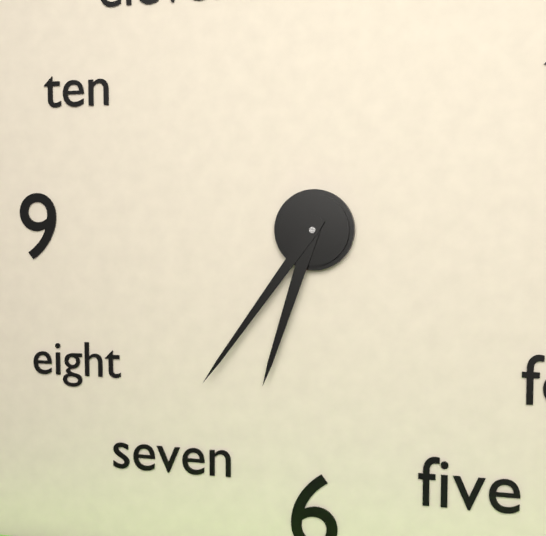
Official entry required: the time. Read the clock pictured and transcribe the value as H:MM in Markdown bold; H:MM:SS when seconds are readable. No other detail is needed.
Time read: **6:36**
